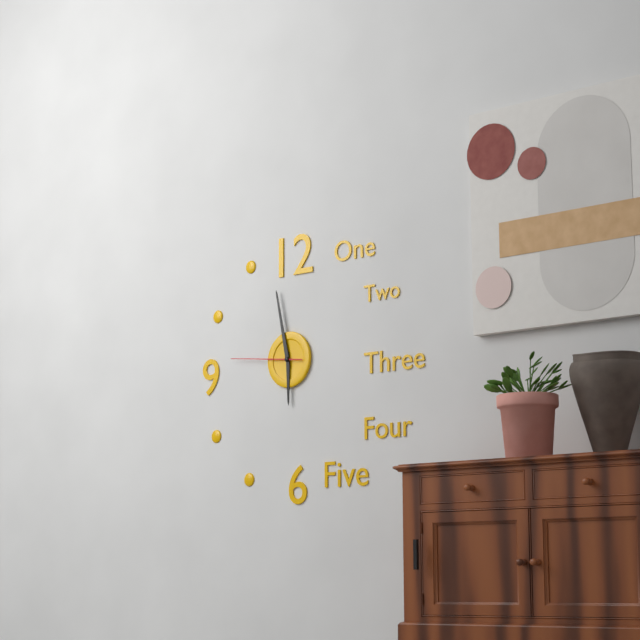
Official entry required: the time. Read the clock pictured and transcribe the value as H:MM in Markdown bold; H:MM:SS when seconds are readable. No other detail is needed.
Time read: **5:58:46**
